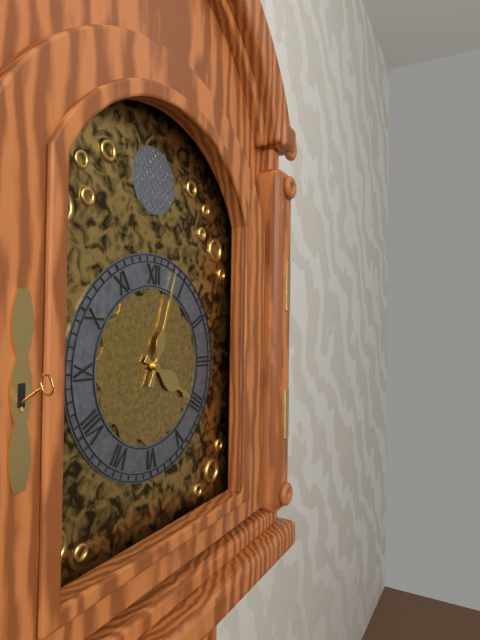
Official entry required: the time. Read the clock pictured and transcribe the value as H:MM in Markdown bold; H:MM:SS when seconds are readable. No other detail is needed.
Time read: **4:03**
